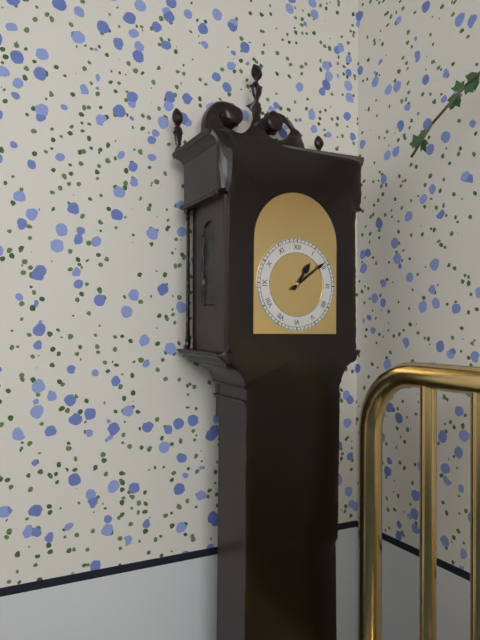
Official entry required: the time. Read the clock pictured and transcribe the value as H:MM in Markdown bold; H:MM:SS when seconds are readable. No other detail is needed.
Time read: **1:09**
